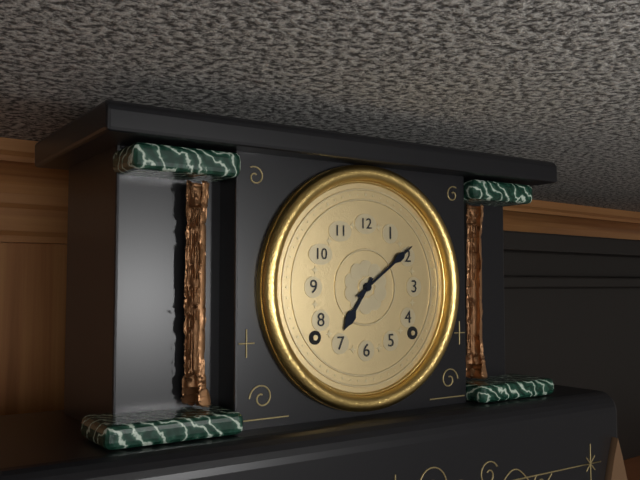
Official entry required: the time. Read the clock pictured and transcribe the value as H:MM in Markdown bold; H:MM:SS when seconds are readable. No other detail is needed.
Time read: **7:09**
